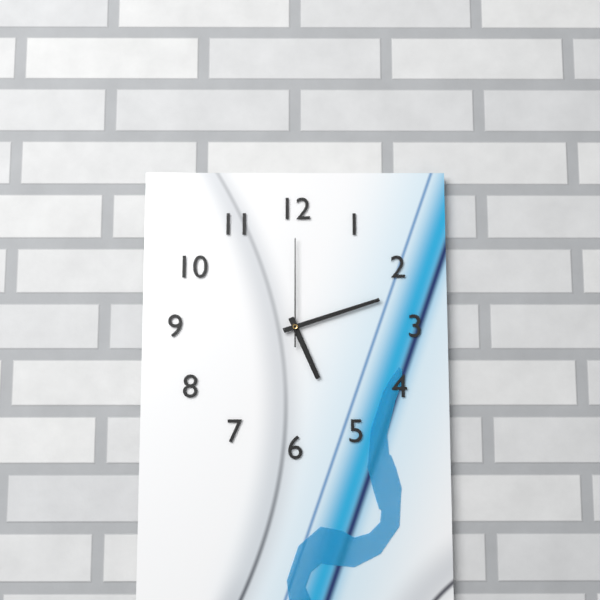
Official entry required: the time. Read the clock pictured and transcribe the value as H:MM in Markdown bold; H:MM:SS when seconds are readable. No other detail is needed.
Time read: **5:12:00**
